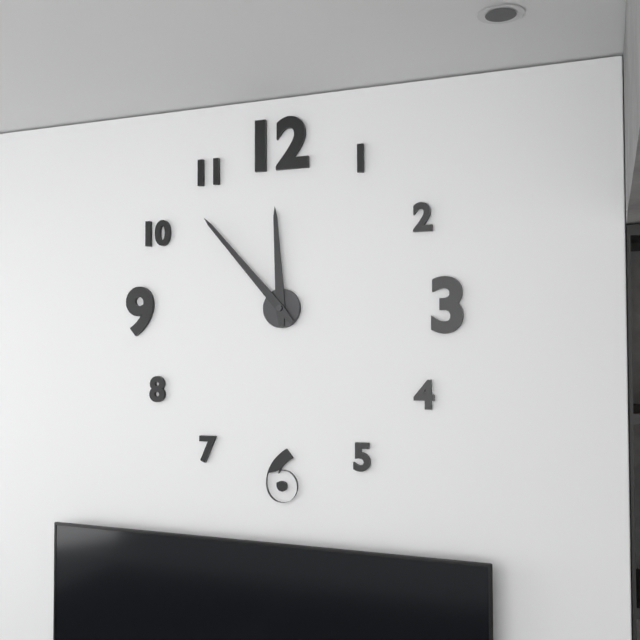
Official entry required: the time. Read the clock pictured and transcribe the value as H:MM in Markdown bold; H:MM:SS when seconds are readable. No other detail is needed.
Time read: **11:53**
